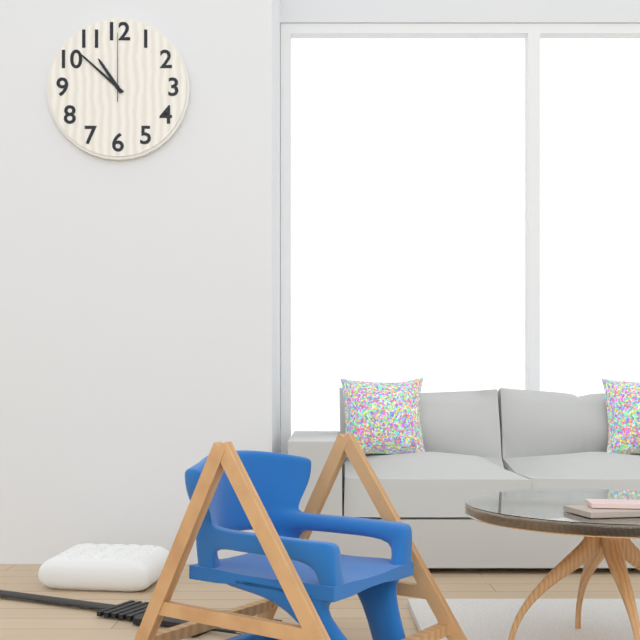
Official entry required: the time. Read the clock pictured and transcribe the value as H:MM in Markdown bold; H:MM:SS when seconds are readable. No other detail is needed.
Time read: **10:52:00**
